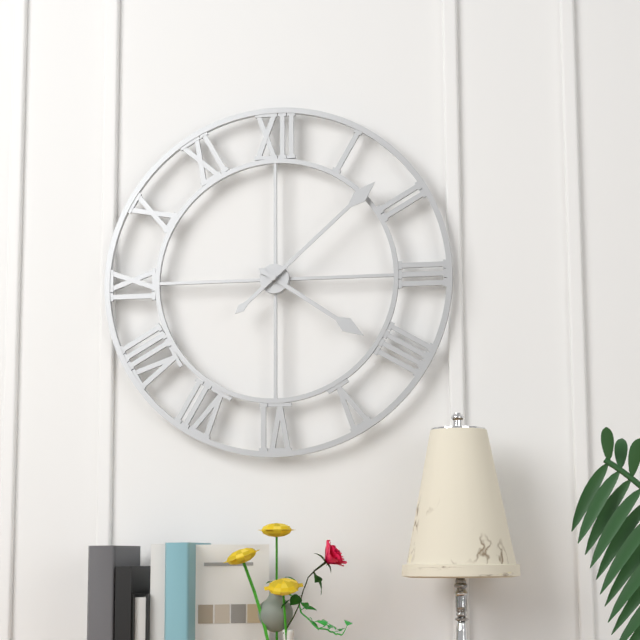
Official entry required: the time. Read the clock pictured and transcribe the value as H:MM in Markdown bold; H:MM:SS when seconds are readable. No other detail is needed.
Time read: **4:08**
